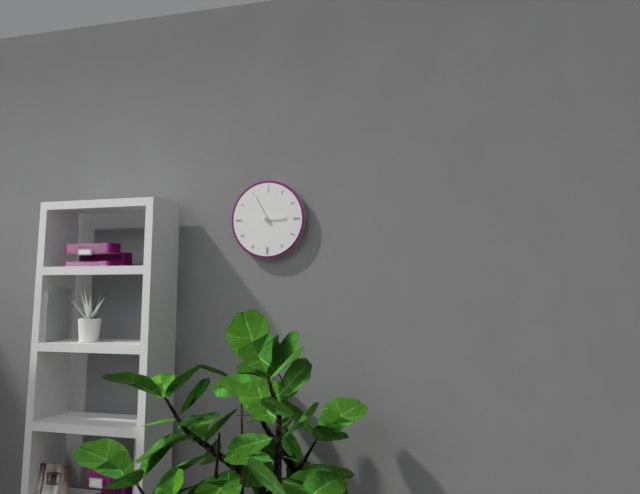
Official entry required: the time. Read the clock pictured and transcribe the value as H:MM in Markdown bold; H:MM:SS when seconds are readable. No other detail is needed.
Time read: **2:55**
